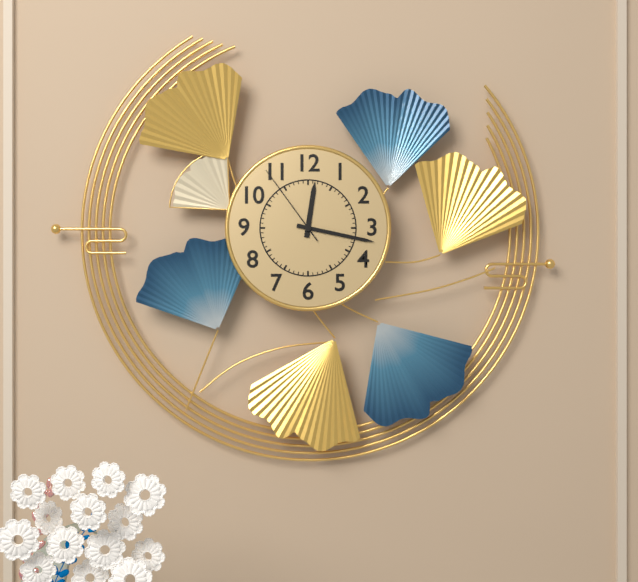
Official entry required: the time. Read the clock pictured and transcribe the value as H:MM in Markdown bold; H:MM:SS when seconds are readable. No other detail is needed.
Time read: **12:17:54**
